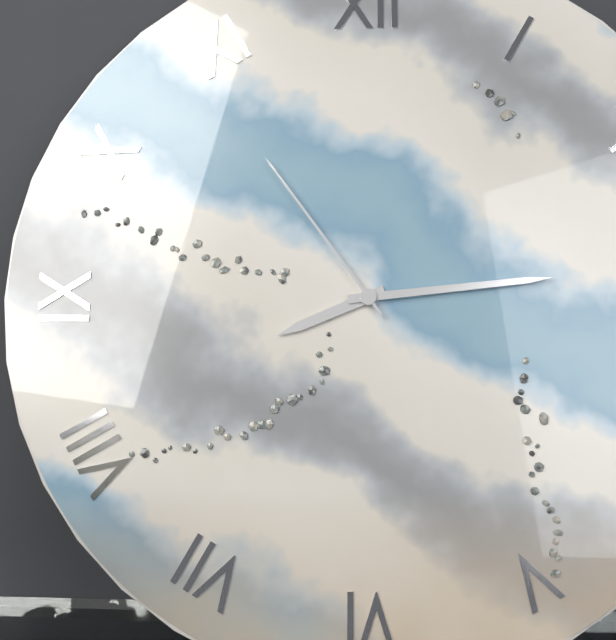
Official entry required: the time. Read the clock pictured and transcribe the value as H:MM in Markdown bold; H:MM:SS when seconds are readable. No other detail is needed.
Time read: **8:14:54**
